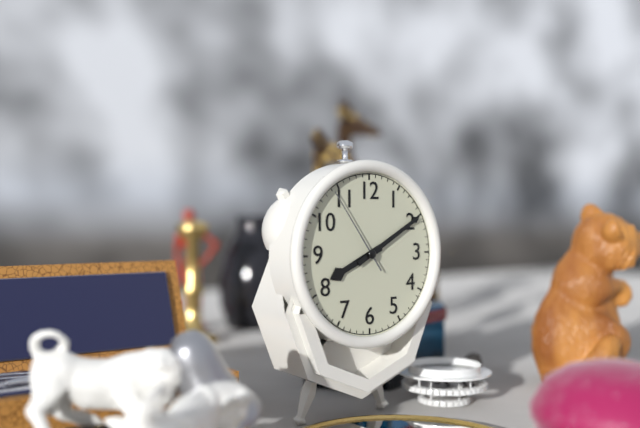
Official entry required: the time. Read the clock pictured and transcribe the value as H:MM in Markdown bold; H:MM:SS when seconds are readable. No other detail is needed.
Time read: **8:10:54**
